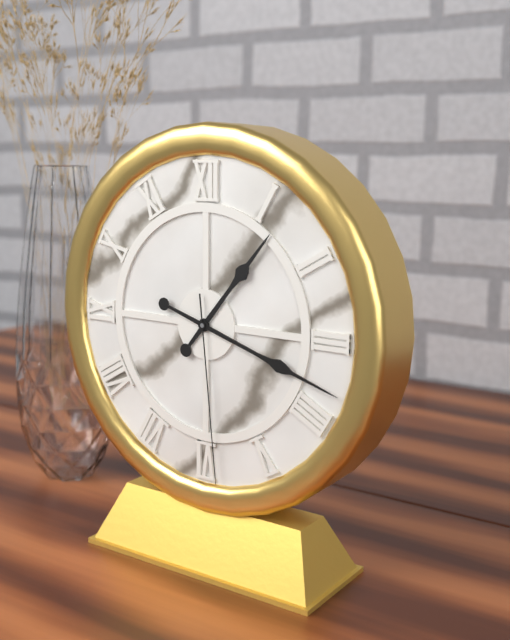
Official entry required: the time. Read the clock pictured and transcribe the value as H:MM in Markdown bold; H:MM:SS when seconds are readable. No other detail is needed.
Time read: **1:18:29**
